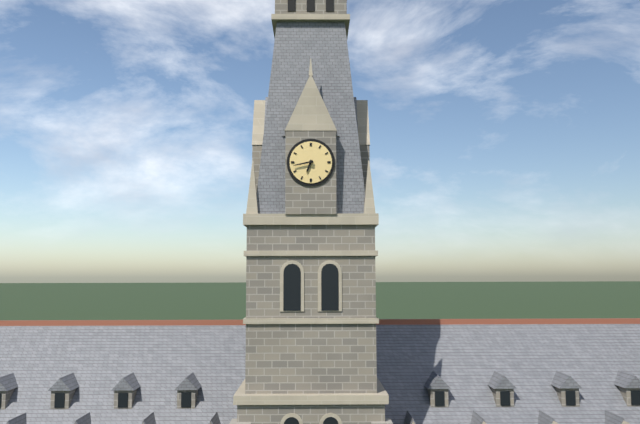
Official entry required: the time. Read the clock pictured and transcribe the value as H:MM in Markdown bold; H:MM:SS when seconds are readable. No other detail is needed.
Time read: **6:43**
